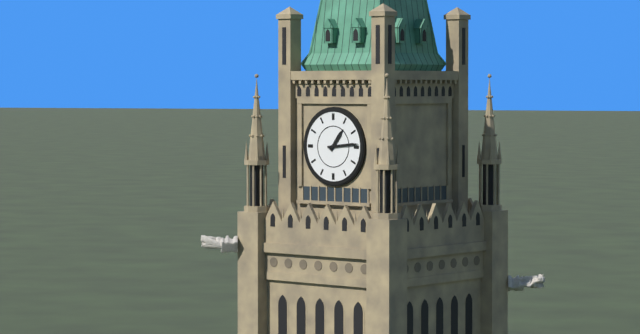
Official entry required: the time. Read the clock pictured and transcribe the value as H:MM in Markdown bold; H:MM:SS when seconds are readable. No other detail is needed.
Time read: **1:14**
